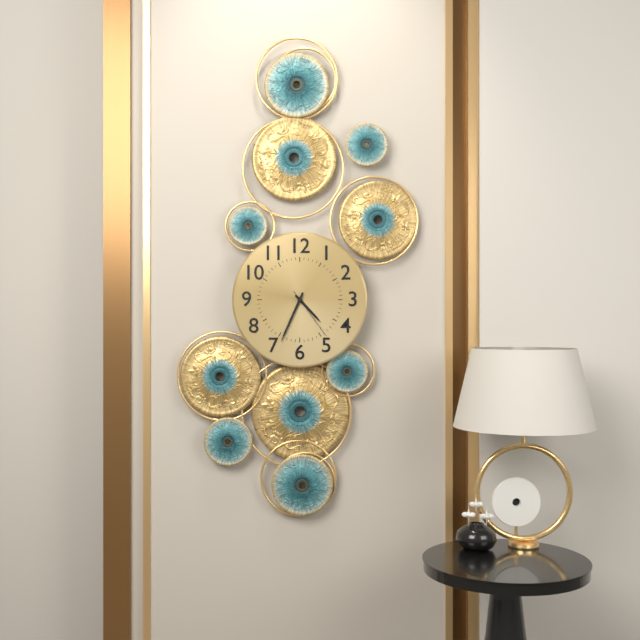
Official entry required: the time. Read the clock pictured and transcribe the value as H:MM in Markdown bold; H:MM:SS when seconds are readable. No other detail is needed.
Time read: **4:34:24**
